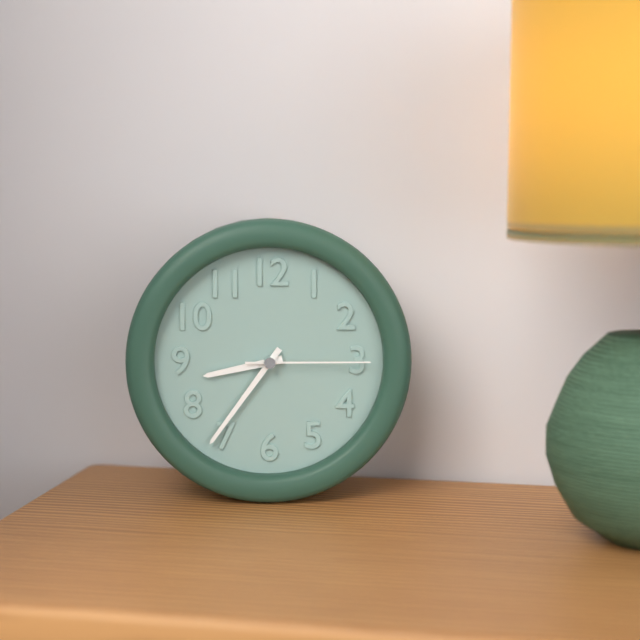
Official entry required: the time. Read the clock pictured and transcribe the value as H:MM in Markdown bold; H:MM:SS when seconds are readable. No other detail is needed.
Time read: **8:36:15**
